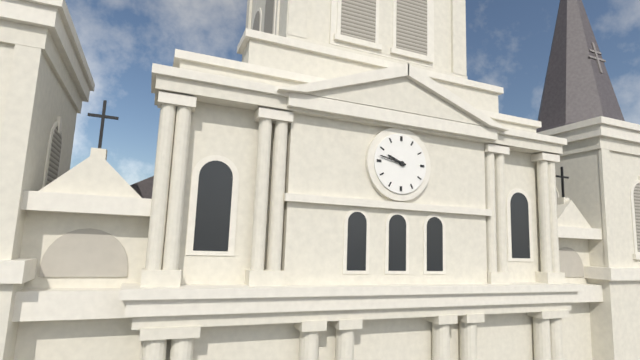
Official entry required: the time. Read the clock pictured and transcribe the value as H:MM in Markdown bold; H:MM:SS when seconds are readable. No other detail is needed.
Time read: **9:47**
